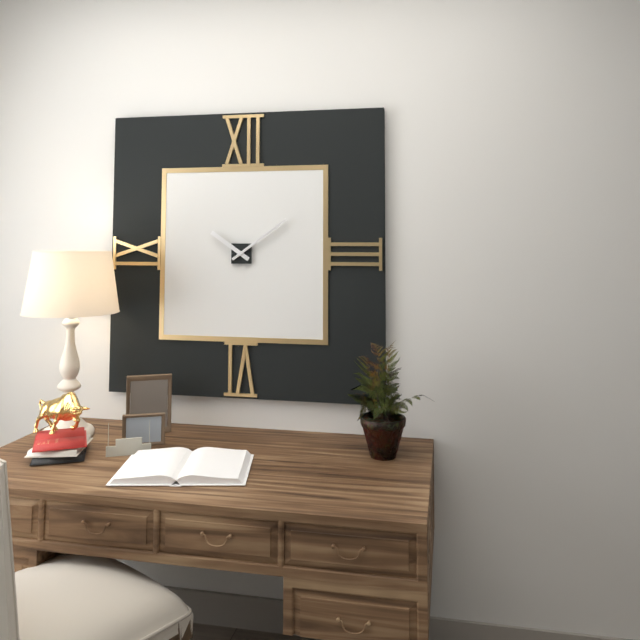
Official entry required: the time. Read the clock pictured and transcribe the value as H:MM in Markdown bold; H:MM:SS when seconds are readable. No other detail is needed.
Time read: **10:09**
